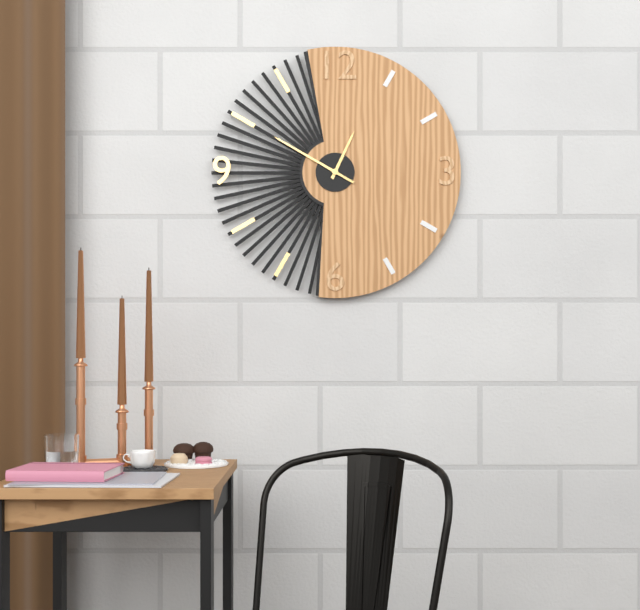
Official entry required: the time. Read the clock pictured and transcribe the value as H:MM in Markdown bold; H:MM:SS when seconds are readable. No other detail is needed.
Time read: **12:50**
